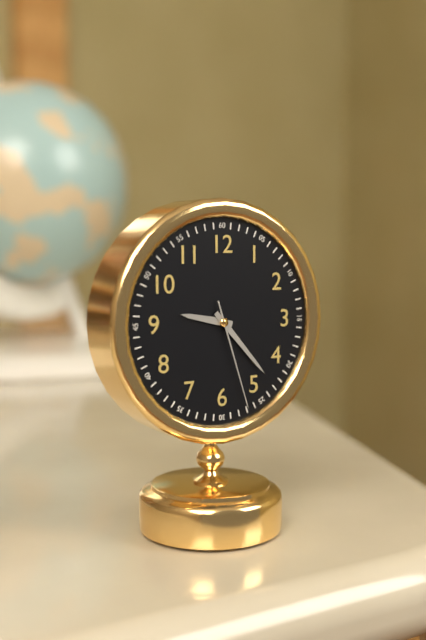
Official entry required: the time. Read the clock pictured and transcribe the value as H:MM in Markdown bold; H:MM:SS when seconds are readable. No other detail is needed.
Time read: **9:23:27**
